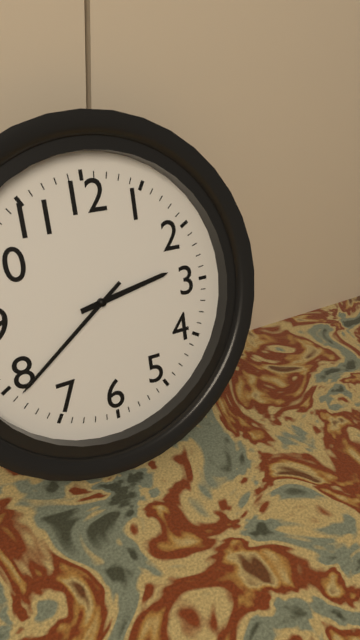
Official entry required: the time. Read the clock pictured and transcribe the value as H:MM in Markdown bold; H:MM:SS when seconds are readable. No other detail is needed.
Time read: **2:39**
